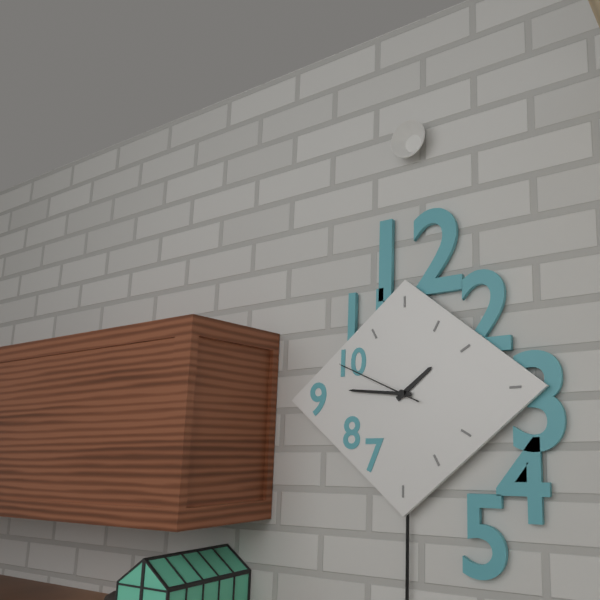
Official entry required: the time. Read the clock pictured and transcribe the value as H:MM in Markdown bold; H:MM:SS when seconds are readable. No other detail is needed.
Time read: **1:46:49**
